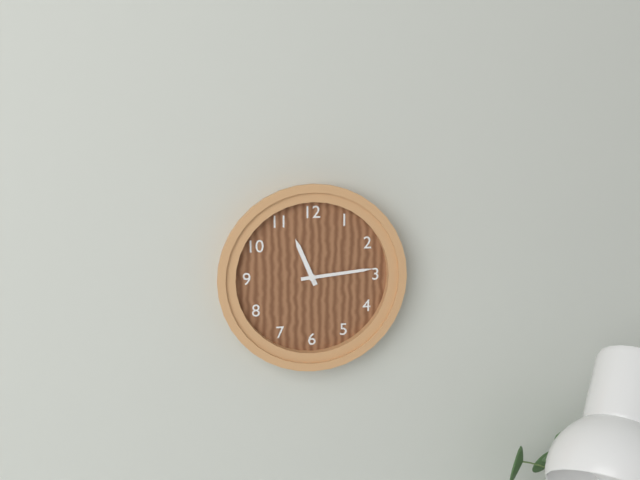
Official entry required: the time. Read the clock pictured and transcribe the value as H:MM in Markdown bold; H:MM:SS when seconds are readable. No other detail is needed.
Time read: **11:14**
